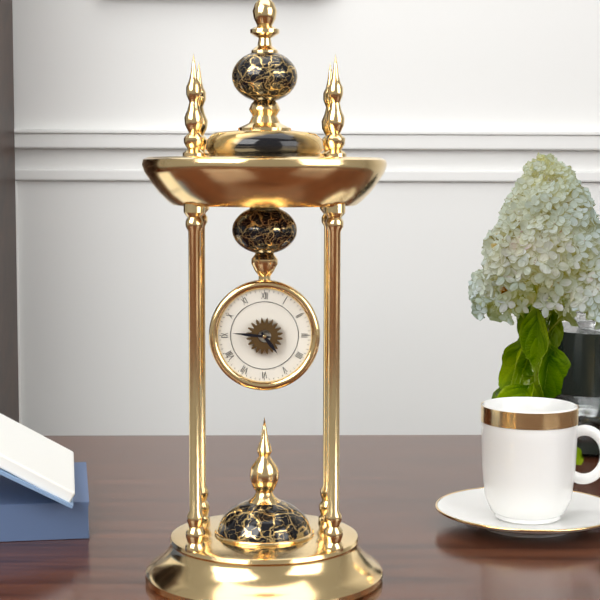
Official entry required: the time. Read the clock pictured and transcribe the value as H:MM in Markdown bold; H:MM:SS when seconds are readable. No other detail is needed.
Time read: **4:46**
